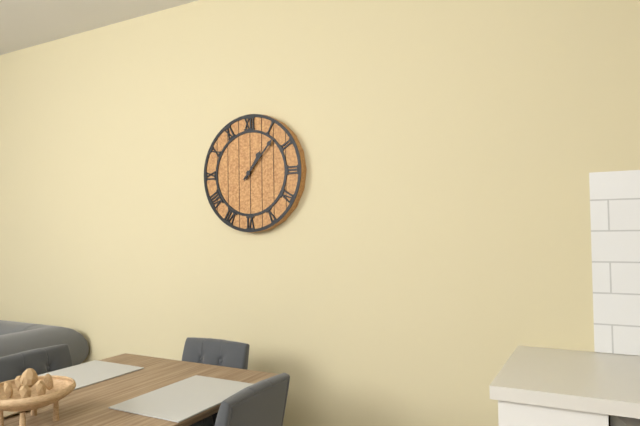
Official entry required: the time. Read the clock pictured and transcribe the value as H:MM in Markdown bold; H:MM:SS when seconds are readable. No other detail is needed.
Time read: **1:07**
